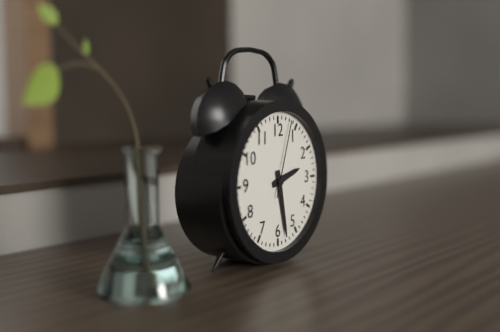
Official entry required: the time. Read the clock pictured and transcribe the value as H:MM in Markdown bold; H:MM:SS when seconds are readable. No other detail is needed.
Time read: **2:28:03**
